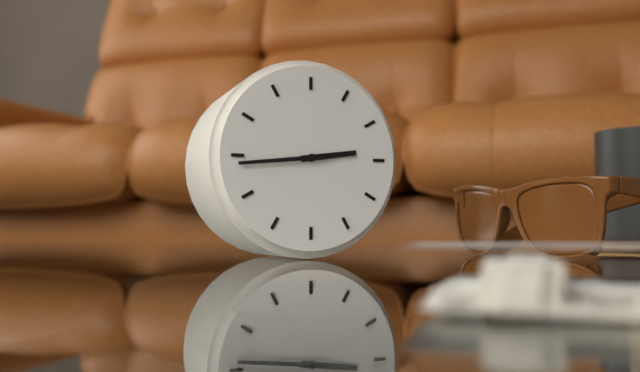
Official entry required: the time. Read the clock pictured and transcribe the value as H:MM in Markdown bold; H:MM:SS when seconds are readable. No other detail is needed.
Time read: **2:44**
